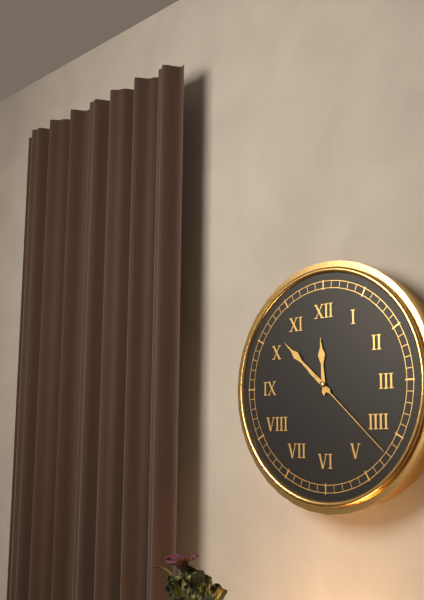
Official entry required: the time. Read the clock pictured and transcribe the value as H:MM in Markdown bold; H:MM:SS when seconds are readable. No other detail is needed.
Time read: **11:52:22**
